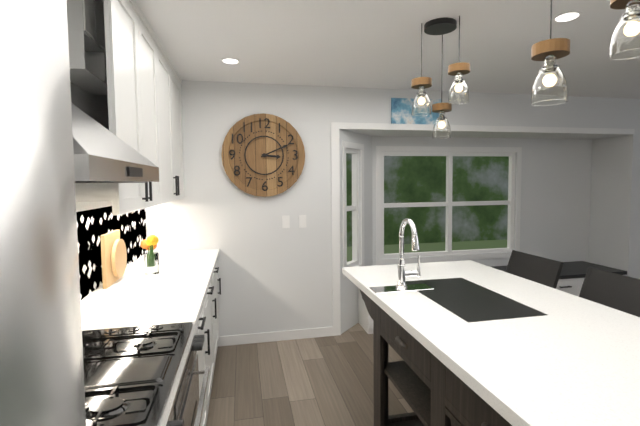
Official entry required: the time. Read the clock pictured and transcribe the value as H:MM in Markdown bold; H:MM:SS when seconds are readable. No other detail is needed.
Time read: **3:11**
